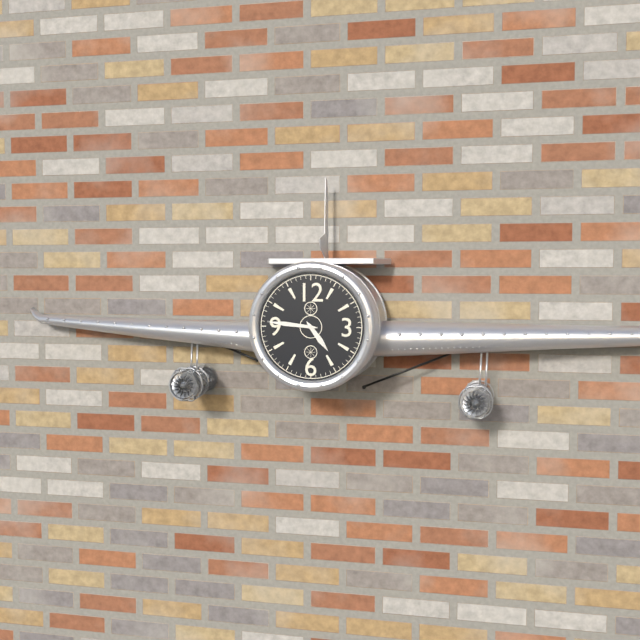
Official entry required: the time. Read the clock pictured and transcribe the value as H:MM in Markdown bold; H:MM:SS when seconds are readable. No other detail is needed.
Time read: **4:46**
